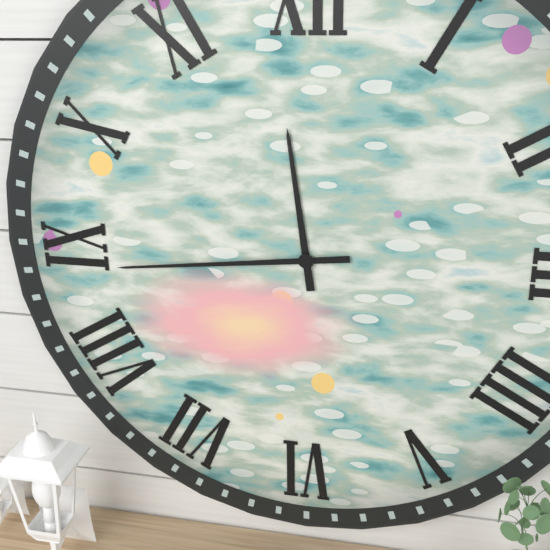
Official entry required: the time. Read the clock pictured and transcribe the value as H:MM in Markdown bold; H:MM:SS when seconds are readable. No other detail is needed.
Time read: **11:44**
